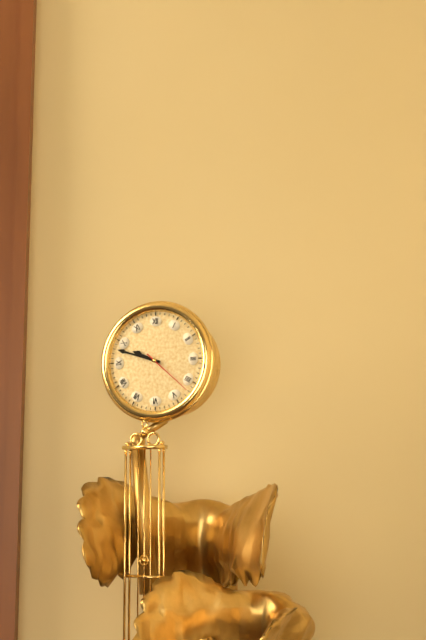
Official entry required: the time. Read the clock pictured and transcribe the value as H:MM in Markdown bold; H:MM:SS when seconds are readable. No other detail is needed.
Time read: **9:48:22**
